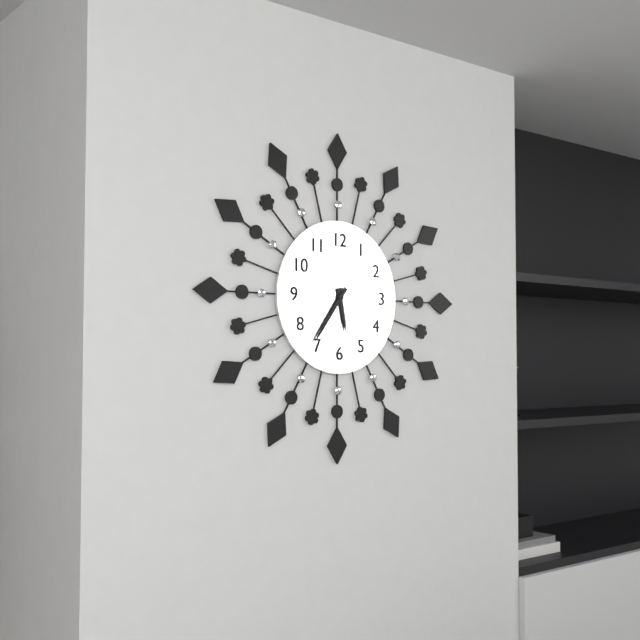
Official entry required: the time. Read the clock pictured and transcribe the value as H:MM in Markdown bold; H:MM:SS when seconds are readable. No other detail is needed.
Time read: **5:36**
